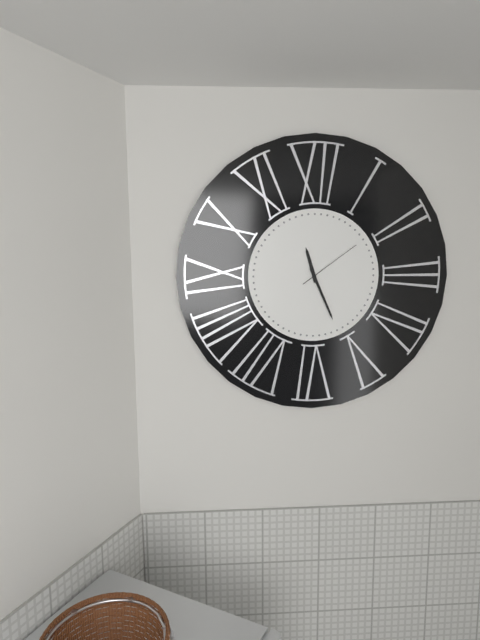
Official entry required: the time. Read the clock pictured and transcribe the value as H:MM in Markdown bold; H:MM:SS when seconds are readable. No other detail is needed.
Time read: **11:26:09**
